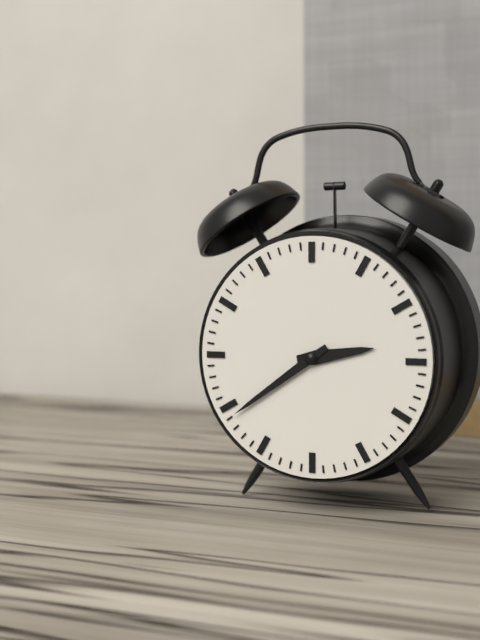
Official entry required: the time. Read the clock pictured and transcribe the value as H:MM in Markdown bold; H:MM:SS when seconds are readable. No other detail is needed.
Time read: **2:39**
